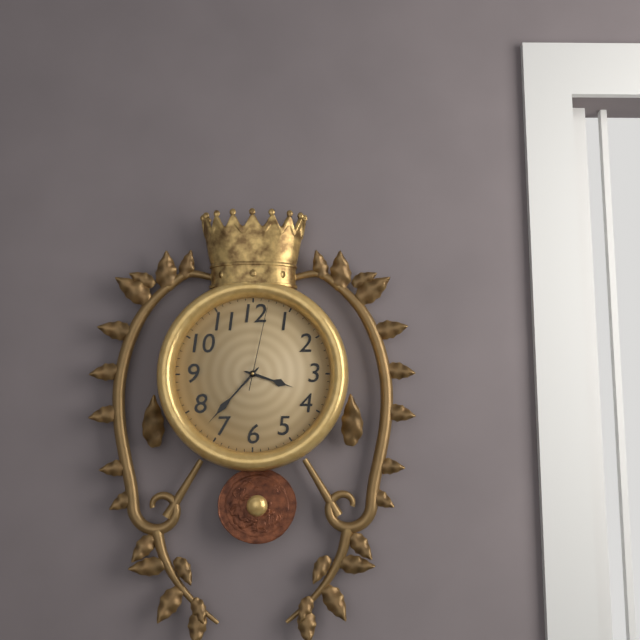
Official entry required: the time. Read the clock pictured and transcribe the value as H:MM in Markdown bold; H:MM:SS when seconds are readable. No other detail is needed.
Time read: **3:37:02**
